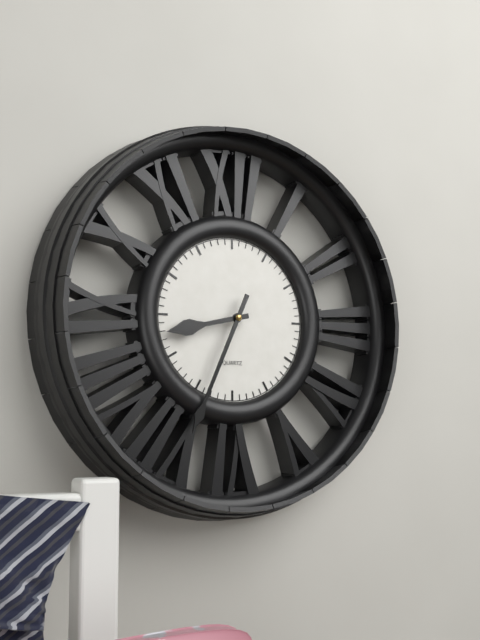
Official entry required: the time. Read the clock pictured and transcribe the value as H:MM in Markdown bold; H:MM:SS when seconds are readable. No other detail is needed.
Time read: **8:34**
